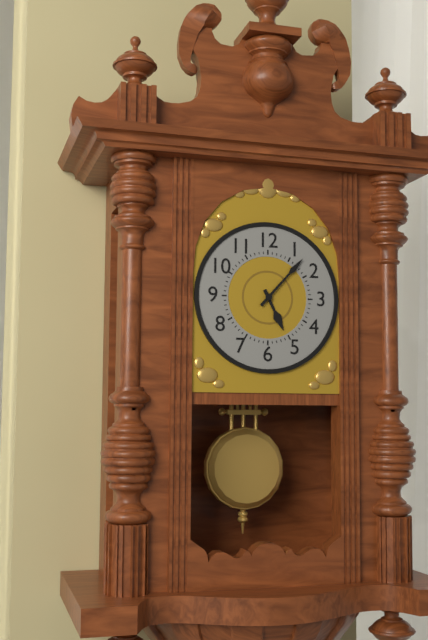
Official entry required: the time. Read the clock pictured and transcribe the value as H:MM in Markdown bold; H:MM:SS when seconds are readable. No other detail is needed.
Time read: **5:07**
